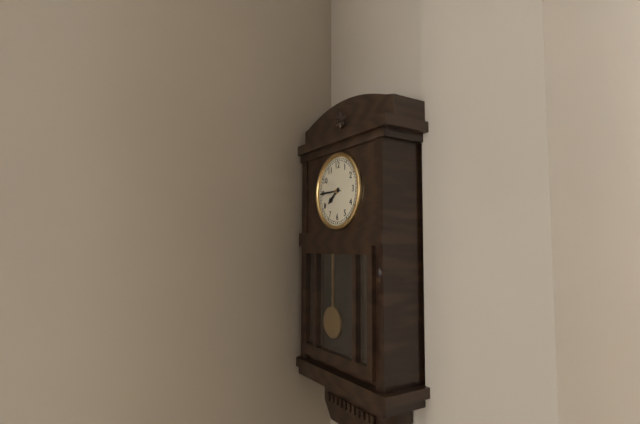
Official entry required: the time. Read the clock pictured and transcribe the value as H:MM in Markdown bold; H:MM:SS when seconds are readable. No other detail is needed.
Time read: **7:45**
